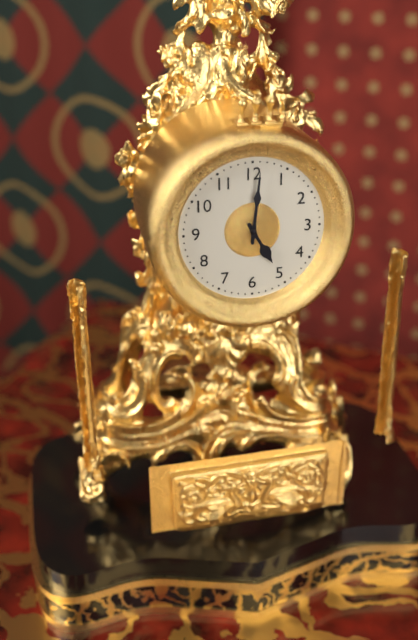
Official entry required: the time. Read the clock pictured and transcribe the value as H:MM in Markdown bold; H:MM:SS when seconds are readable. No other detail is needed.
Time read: **5:01**
